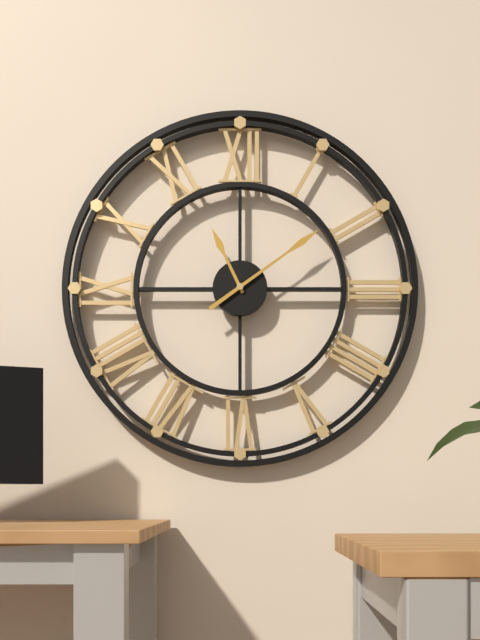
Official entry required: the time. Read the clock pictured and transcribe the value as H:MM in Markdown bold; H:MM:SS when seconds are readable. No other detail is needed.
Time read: **11:09**
